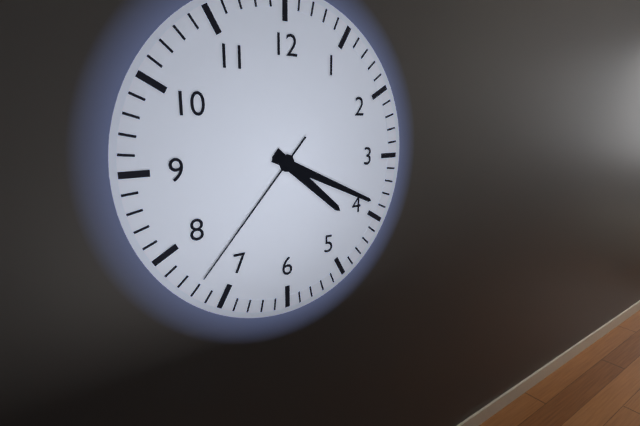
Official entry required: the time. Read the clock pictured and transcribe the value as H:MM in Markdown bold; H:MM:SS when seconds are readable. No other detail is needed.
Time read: **4:19:37**
